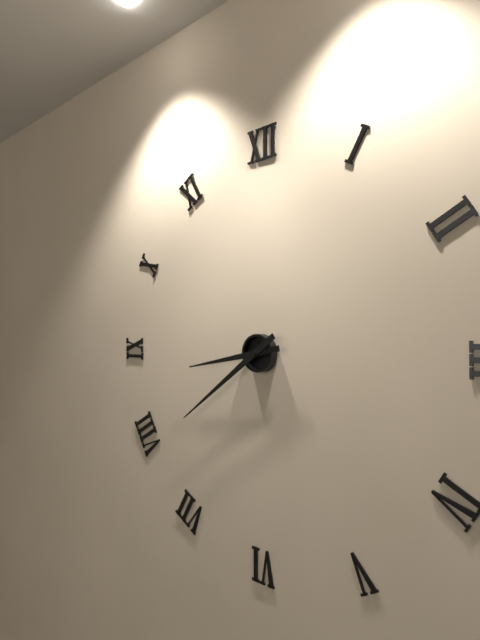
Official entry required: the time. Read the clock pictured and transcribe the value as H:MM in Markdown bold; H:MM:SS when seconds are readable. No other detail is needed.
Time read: **8:39**
